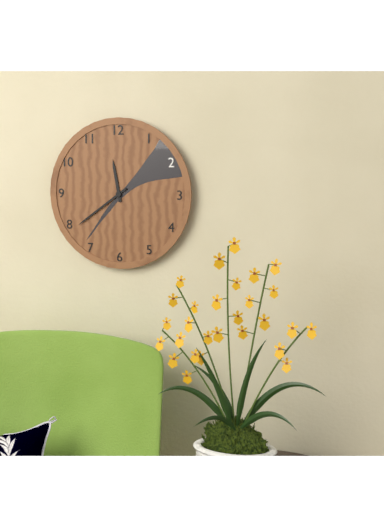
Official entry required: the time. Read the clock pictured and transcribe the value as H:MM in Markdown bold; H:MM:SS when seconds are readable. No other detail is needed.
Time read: **11:39**
